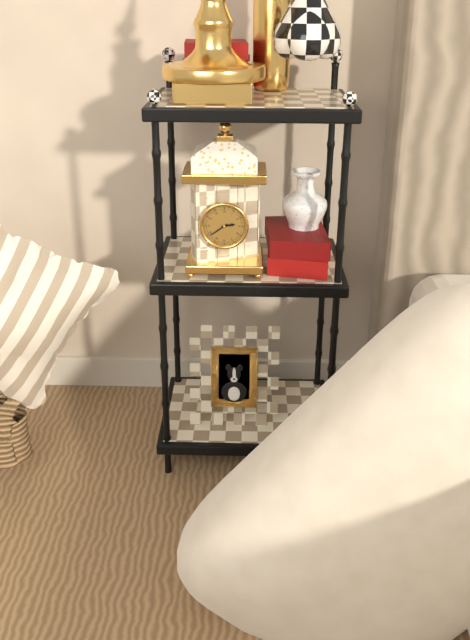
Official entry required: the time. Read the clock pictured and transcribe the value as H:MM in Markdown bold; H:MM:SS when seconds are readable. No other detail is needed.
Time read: **2:39**
